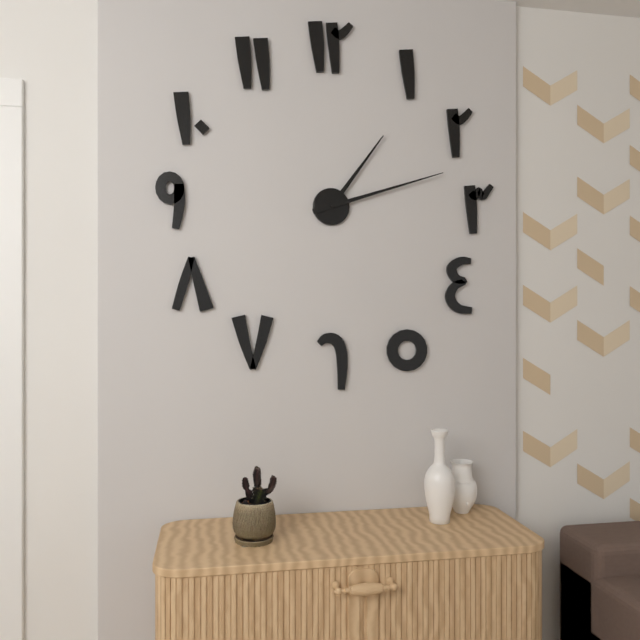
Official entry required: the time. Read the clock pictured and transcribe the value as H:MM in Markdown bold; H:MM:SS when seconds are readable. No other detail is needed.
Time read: **1:12**
